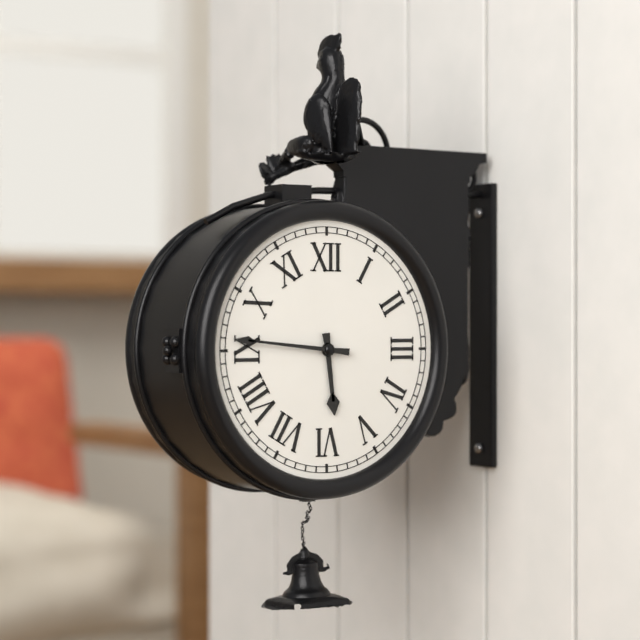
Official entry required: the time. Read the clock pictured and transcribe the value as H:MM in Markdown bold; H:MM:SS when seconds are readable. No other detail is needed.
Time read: **5:46**
